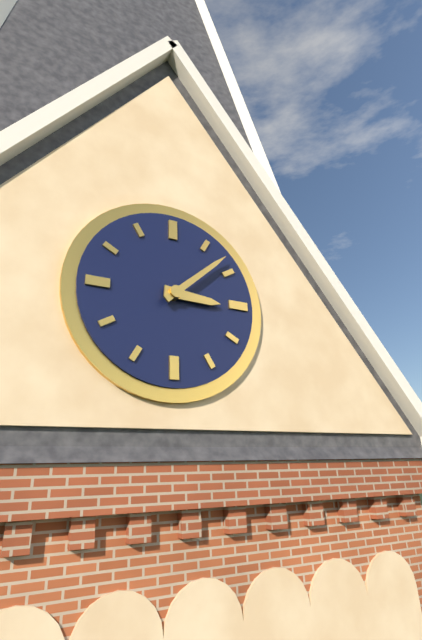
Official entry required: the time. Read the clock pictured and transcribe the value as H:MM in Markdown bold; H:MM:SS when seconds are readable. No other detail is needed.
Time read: **3:08**
